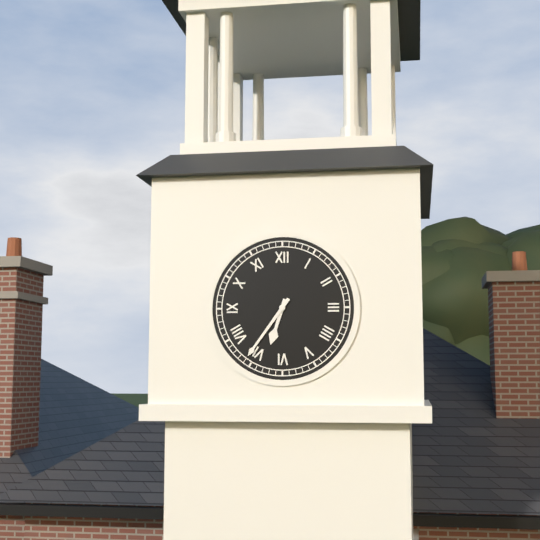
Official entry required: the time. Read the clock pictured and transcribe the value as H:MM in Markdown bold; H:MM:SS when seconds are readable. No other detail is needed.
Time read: **6:36**
